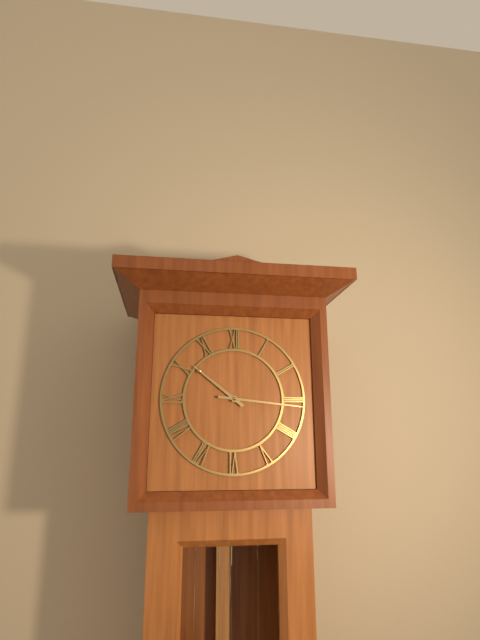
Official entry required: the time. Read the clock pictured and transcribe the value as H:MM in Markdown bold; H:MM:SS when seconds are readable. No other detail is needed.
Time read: **10:16**
